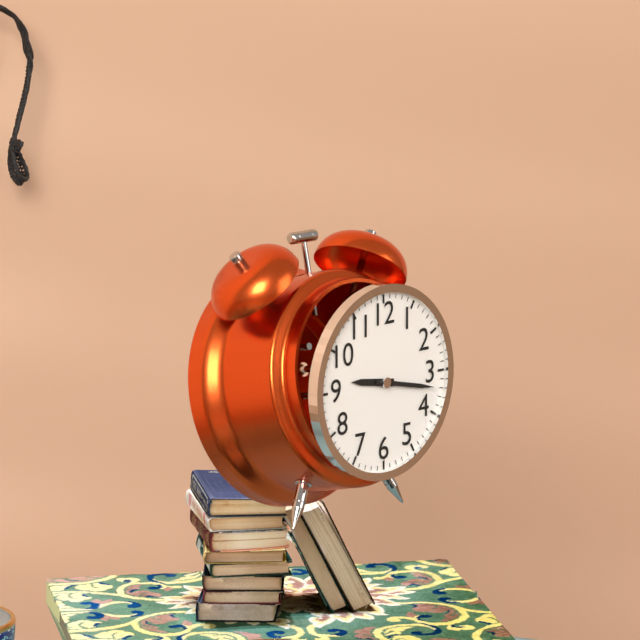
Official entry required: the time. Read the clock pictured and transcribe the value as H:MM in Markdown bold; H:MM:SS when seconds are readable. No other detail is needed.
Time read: **9:17**
